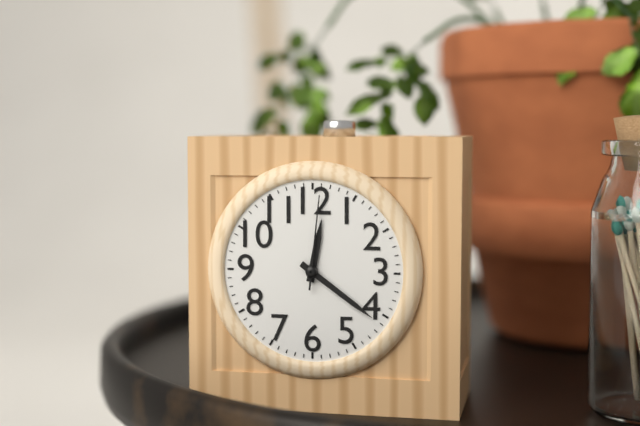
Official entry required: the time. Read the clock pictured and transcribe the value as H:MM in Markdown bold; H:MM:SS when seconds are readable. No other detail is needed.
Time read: **12:21:01**
